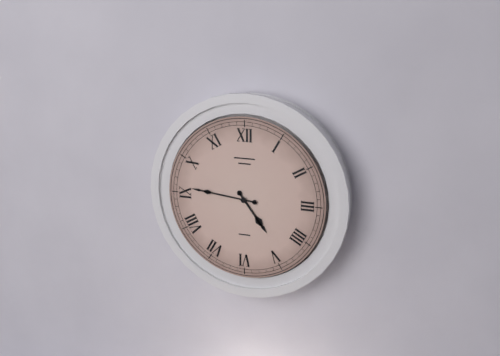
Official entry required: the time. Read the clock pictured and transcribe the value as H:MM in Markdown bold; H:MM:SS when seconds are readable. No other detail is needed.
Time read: **4:46**
